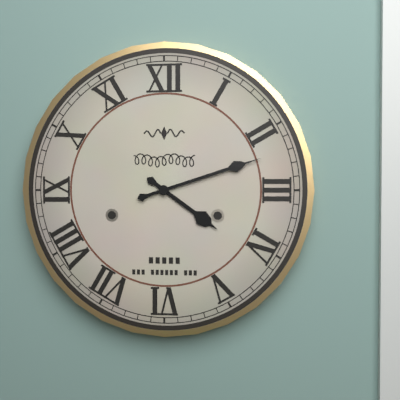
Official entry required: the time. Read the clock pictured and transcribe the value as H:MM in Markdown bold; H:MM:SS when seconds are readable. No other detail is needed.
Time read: **4:12**
